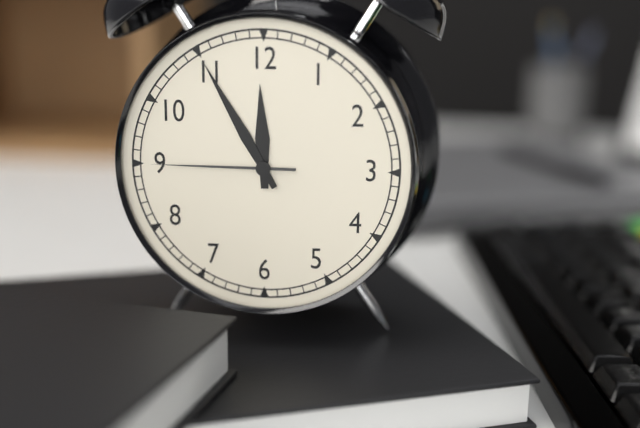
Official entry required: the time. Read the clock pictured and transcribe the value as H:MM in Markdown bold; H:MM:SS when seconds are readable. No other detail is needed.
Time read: **11:55:45**
